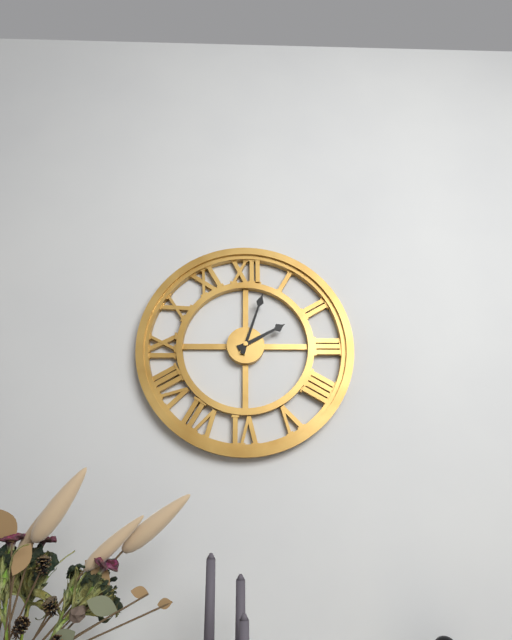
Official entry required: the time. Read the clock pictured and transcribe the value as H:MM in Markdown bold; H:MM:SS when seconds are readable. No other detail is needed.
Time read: **2:03**
